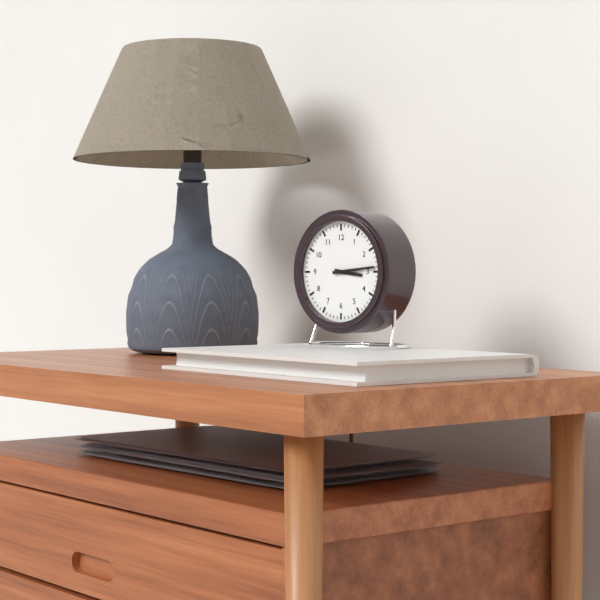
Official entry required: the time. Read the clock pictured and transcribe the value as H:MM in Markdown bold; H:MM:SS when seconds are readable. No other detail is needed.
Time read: **3:14**
